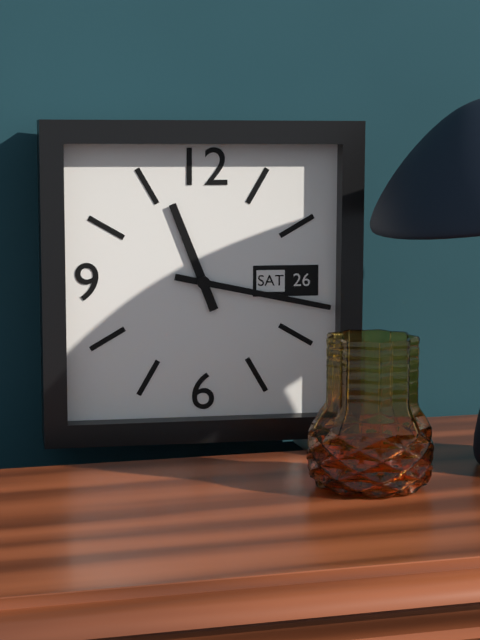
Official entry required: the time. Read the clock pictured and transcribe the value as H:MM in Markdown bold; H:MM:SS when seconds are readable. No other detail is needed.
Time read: **11:17**
